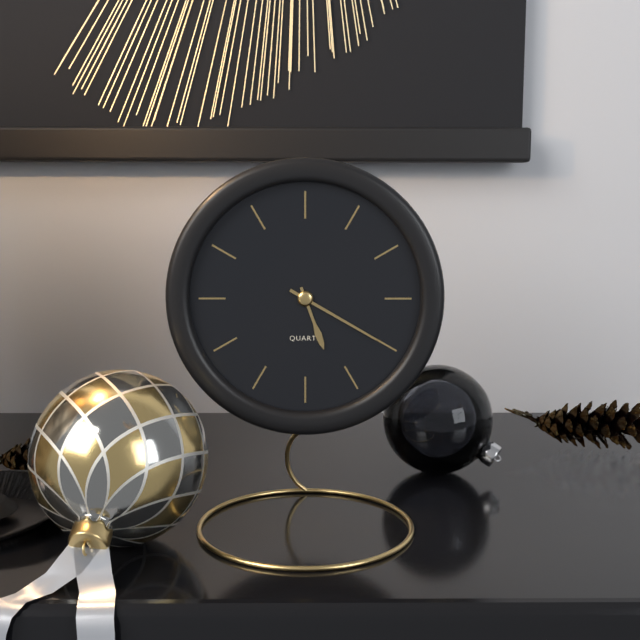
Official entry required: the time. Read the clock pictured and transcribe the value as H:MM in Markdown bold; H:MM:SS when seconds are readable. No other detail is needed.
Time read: **5:20**
